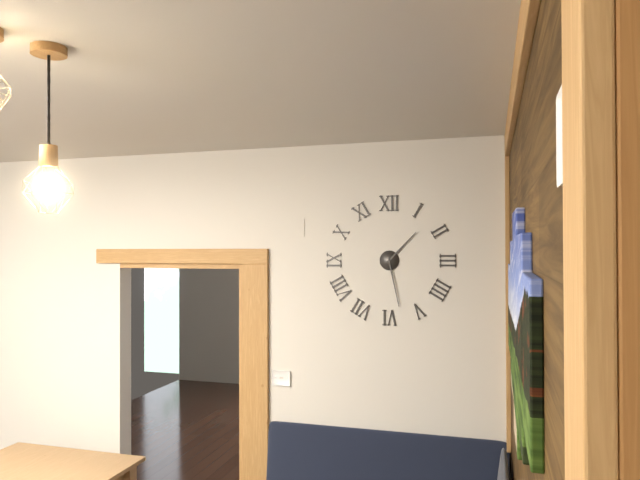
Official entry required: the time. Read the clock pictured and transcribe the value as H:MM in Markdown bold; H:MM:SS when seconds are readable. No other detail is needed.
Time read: **1:28**
